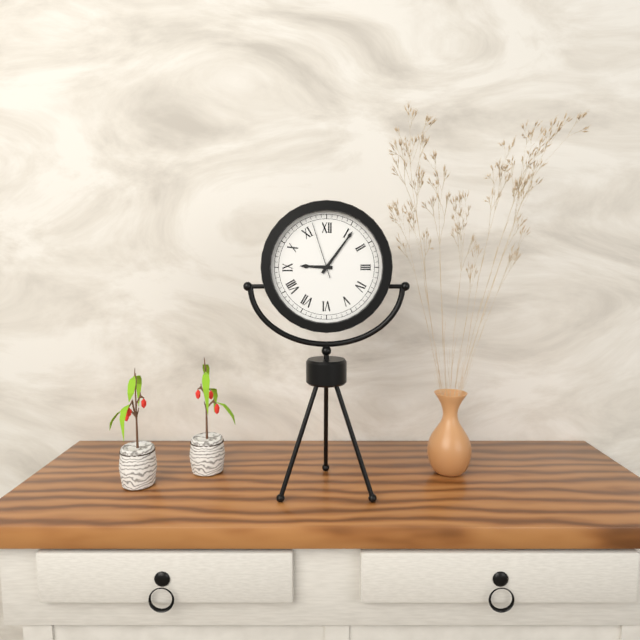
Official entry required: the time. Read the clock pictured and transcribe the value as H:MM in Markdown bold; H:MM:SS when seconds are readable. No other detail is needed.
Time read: **9:06:57**
